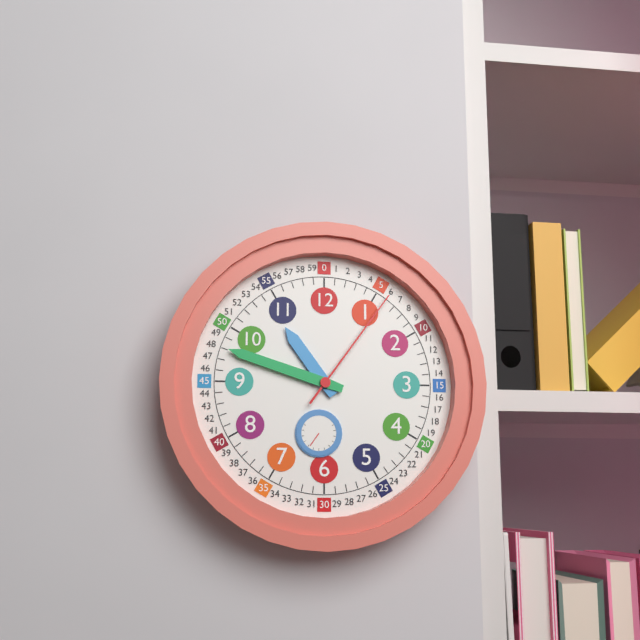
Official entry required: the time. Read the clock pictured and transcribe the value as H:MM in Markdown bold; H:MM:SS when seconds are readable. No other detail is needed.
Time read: **10:48:06**
